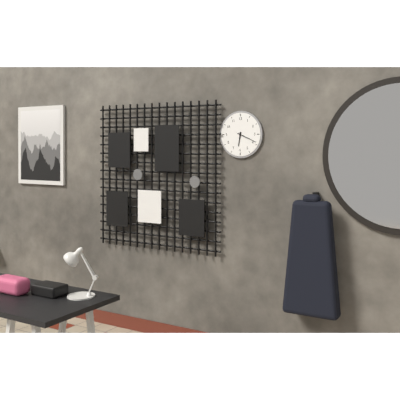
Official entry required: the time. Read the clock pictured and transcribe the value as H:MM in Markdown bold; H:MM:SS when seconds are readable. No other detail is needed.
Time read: **6:19**
